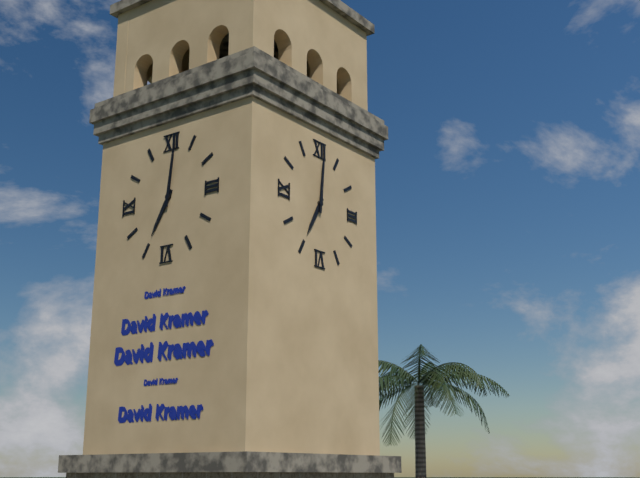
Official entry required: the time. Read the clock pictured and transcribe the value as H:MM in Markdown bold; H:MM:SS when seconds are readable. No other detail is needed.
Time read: **7:01**
